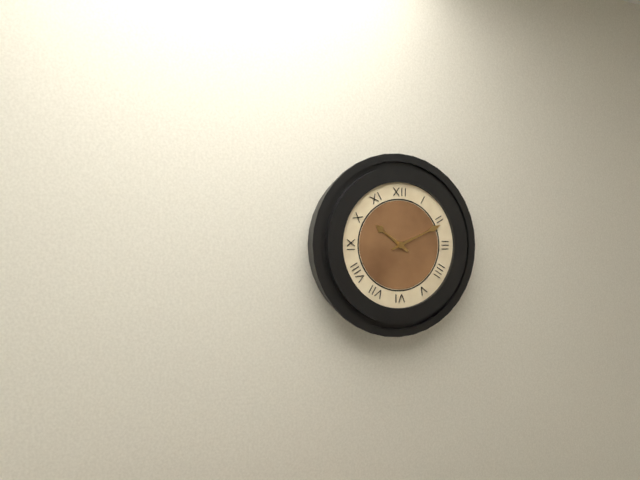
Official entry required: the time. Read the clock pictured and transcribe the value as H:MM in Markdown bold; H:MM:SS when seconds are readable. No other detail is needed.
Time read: **10:11**
